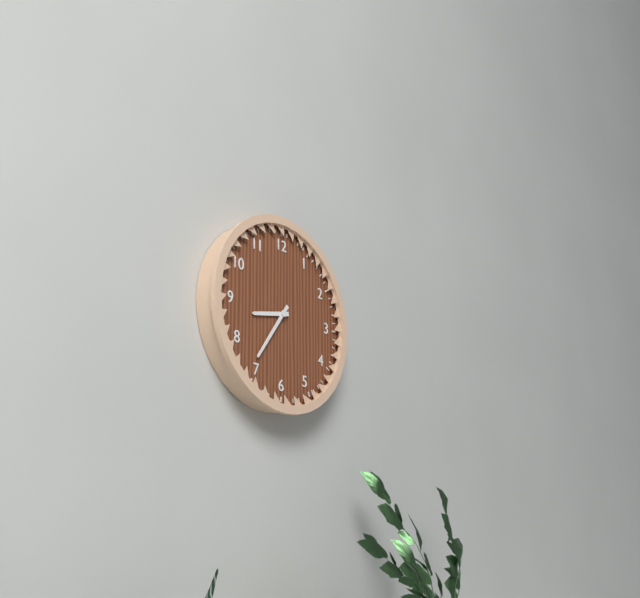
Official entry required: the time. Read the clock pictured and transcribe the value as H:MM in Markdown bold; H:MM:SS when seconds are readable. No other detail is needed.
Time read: **8:36**
